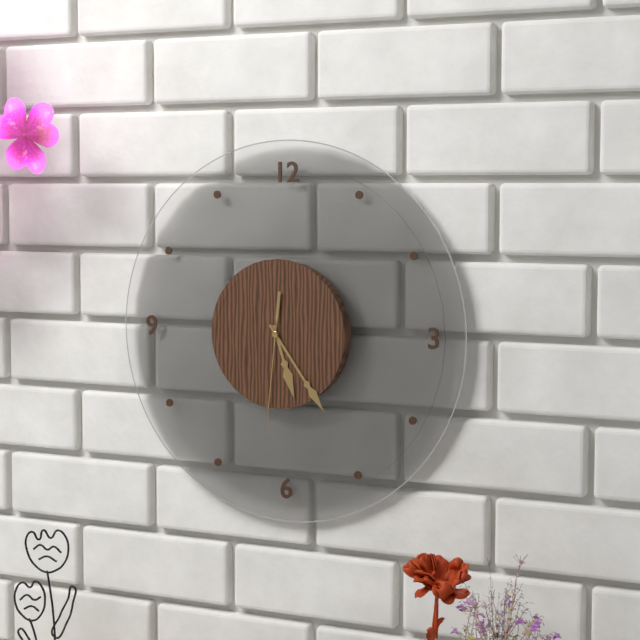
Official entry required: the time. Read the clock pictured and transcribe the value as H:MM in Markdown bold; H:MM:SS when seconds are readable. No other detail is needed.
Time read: **5:24:31**
